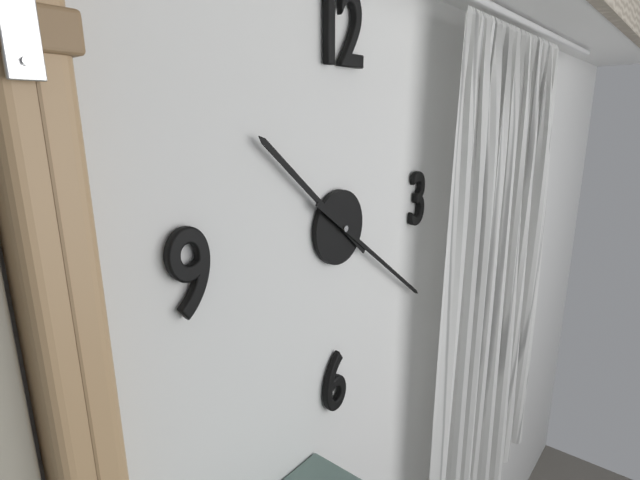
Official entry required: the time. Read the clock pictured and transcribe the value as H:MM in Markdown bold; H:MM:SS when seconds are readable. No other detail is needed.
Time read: **10:21**
